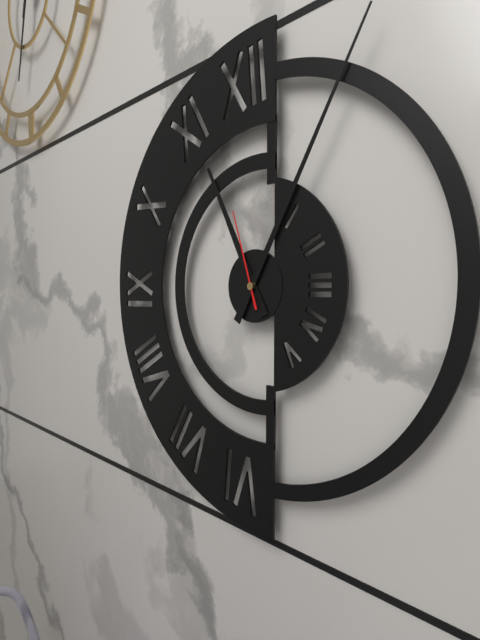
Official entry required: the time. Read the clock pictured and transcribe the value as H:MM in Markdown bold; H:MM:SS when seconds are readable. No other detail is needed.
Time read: **11:05:57**
